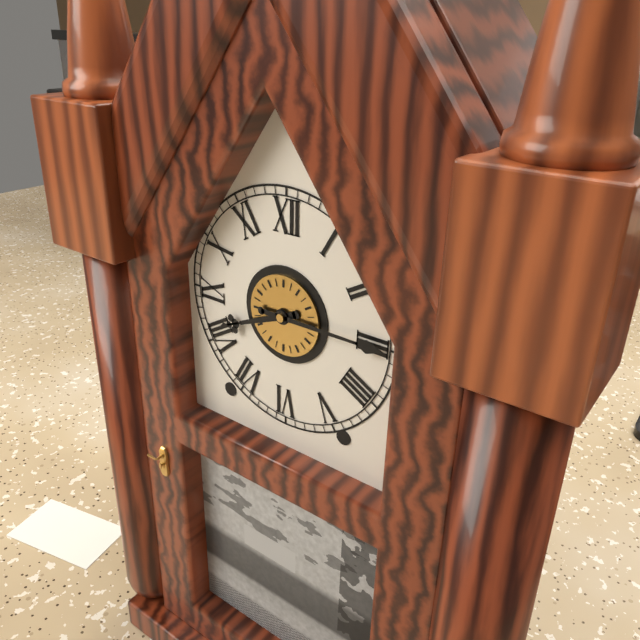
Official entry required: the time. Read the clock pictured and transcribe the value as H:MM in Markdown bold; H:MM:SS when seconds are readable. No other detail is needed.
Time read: **8:15**
